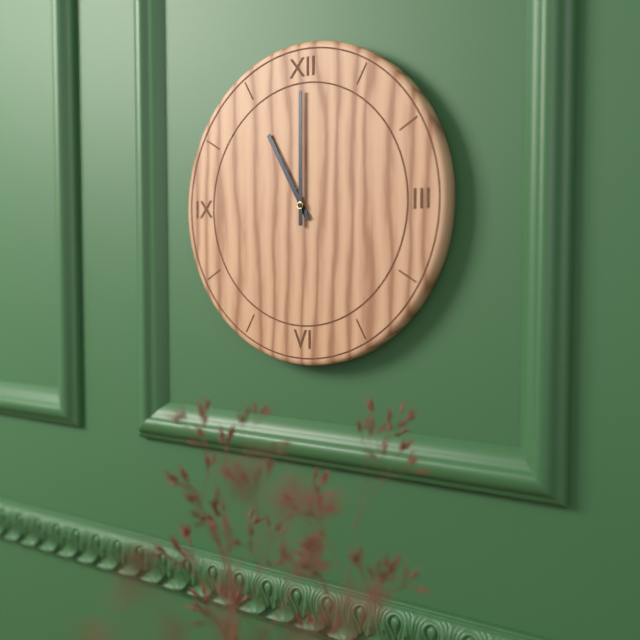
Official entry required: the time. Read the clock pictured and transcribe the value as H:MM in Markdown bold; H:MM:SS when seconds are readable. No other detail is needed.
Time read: **11:00**
